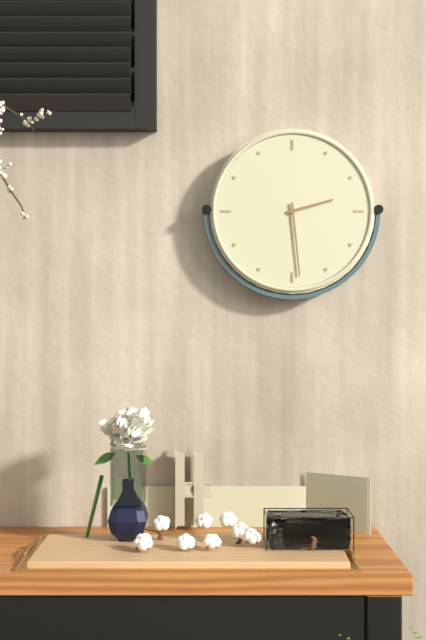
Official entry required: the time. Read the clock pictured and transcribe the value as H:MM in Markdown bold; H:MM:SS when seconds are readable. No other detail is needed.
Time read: **2:29**
